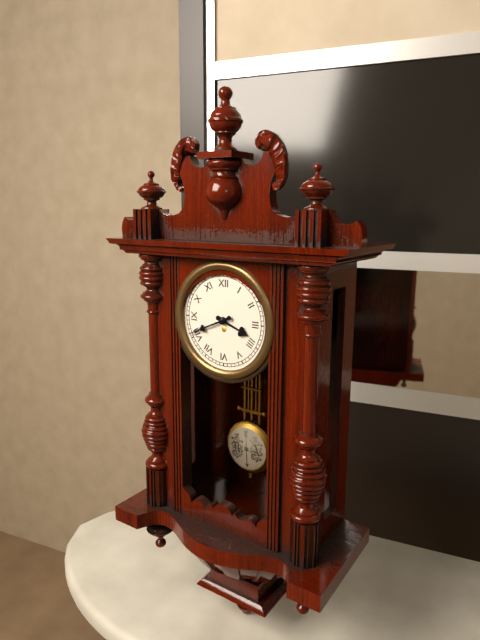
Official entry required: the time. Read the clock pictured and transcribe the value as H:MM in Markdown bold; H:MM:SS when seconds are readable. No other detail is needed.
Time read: **3:41**
